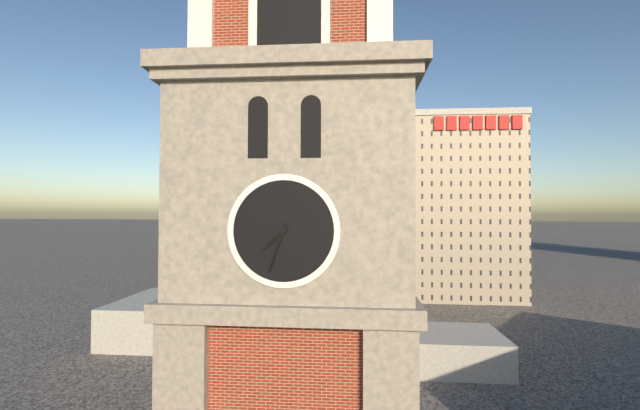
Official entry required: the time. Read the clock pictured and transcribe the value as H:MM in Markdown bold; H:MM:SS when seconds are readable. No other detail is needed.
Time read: **7:33**
